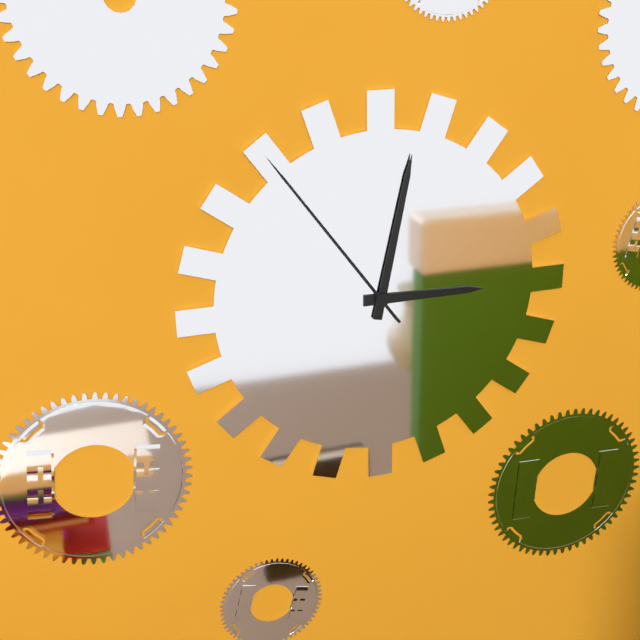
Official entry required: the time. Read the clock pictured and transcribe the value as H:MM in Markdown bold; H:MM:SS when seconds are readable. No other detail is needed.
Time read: **3:02:54**
